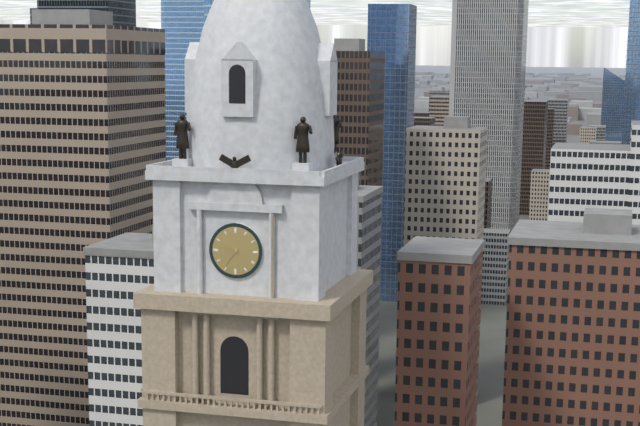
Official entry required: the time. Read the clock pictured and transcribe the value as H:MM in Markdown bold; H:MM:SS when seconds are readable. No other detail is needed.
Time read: **9:36**
